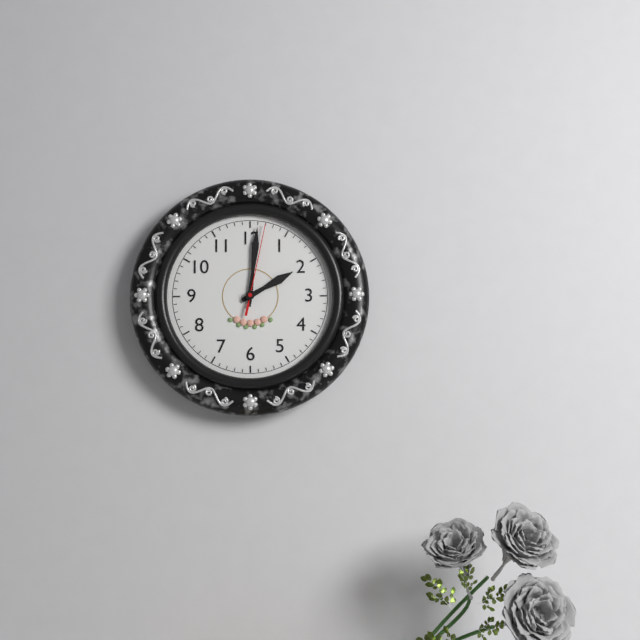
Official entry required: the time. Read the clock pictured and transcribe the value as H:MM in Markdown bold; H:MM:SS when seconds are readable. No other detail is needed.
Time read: **2:01:02**
